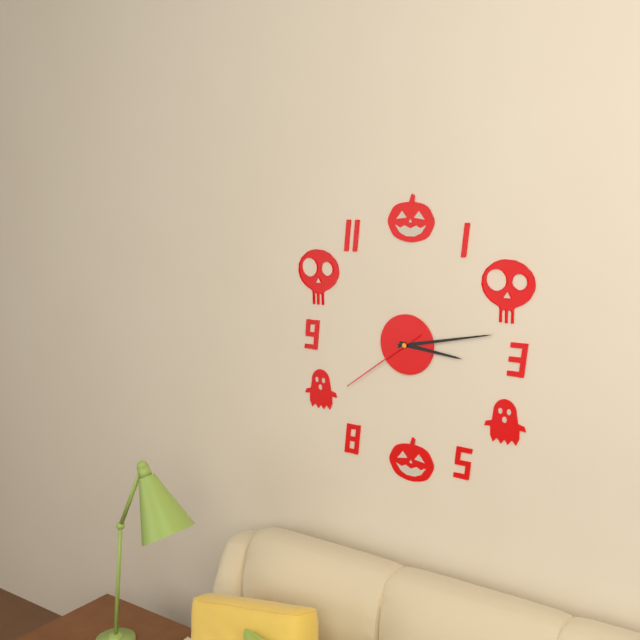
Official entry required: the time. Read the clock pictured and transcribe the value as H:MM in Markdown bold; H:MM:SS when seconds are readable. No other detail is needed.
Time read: **3:13:39**
